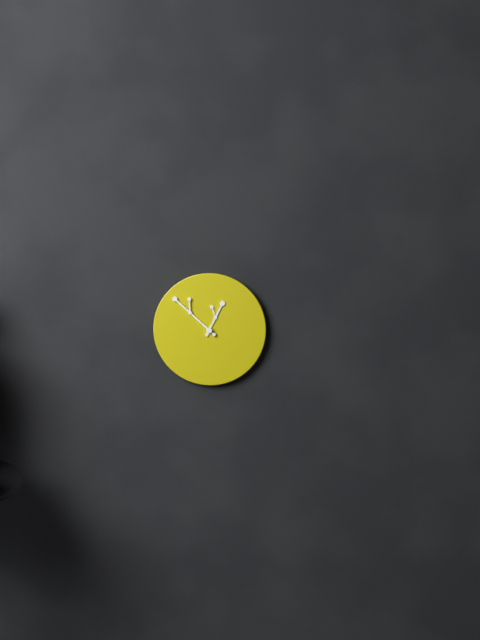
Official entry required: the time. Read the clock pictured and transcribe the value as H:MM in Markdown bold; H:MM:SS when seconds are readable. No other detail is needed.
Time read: **12:52**
